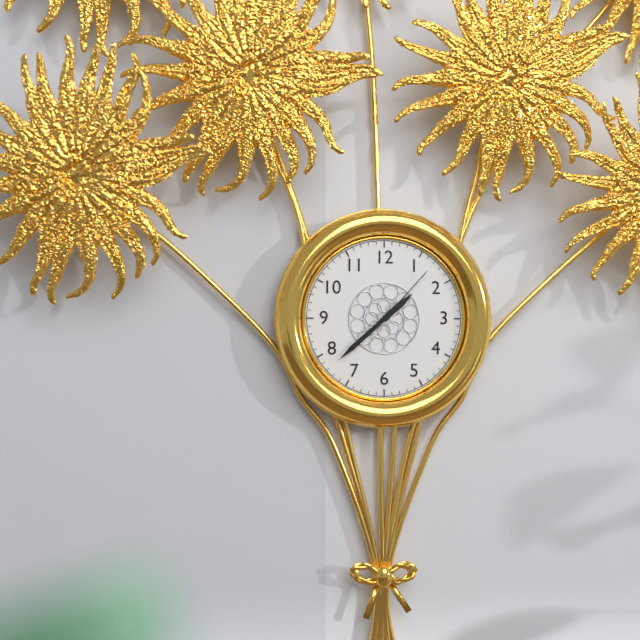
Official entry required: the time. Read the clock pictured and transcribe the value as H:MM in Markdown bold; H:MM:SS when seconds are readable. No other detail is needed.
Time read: **1:38:07**
